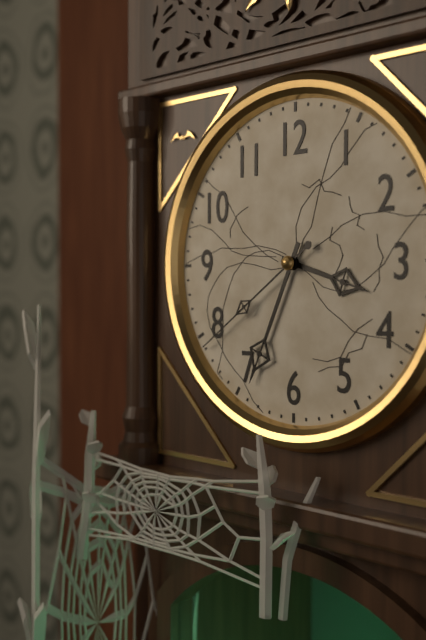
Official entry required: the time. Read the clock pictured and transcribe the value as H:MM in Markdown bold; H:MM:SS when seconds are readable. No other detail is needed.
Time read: **3:34:39**
